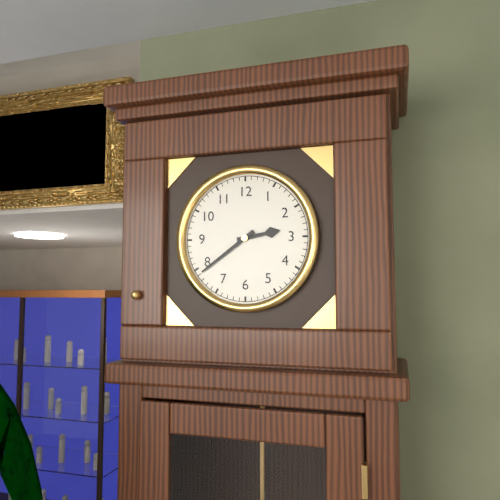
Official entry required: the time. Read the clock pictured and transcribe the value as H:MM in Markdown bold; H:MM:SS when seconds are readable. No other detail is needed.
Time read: **2:39**
